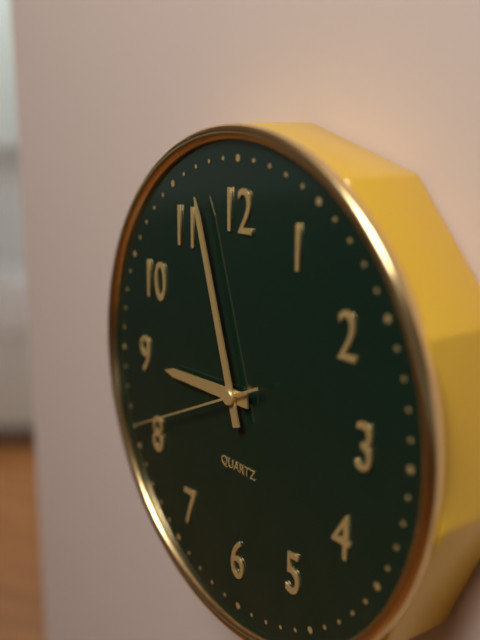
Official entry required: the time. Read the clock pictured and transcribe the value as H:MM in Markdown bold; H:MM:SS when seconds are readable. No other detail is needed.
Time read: **8:57:41**
